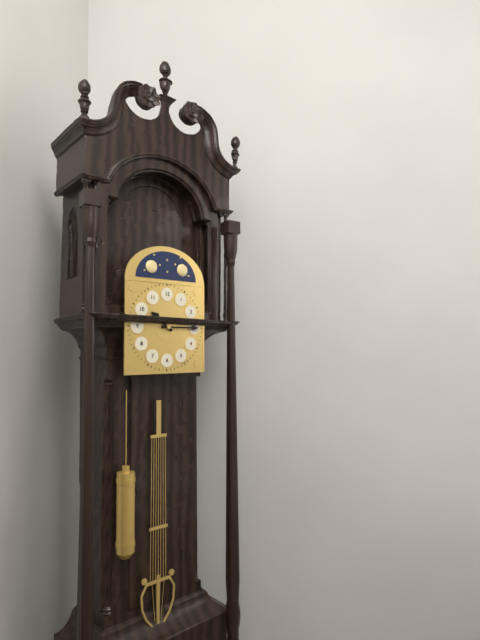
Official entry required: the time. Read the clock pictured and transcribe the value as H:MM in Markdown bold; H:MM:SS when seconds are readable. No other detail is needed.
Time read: **10:15**
